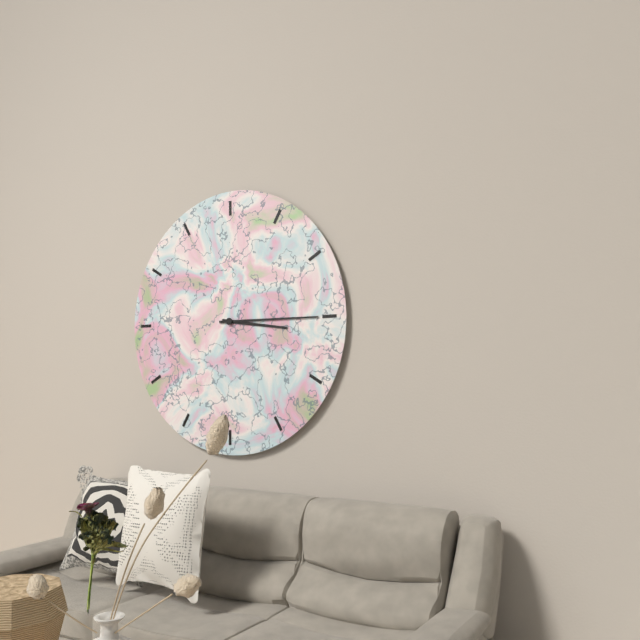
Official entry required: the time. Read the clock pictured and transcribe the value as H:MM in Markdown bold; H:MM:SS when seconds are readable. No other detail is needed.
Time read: **3:15**
